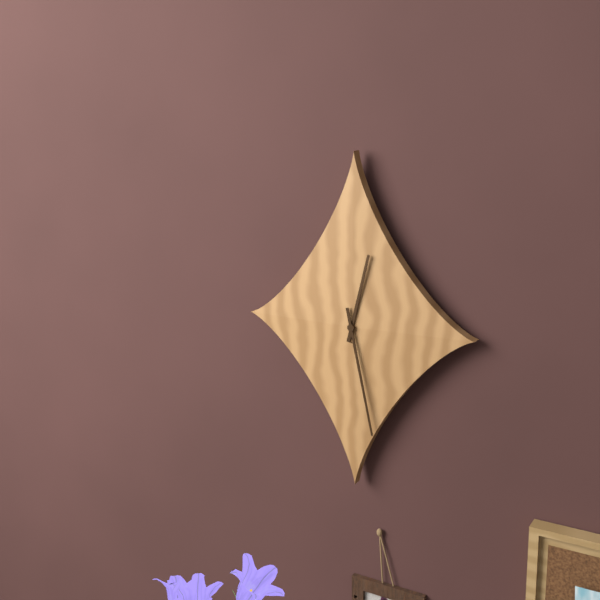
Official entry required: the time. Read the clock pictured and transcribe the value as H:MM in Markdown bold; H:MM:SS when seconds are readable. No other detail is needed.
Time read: **12:28**
